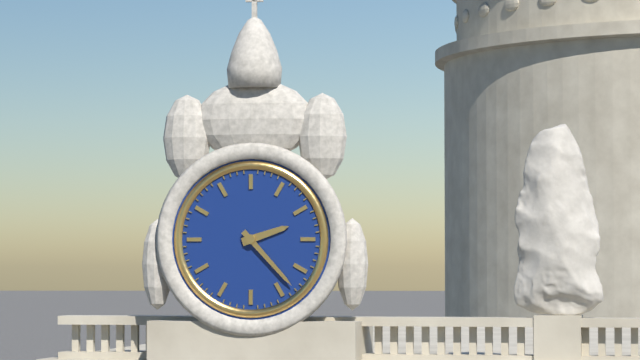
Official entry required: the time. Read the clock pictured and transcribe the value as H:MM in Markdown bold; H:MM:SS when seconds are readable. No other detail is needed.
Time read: **2:23**
